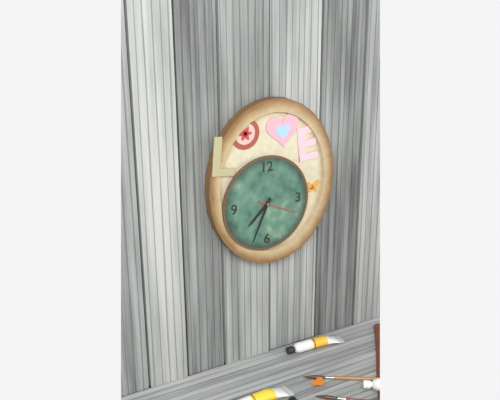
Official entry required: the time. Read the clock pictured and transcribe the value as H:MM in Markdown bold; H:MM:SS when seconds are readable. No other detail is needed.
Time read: **7:34**
